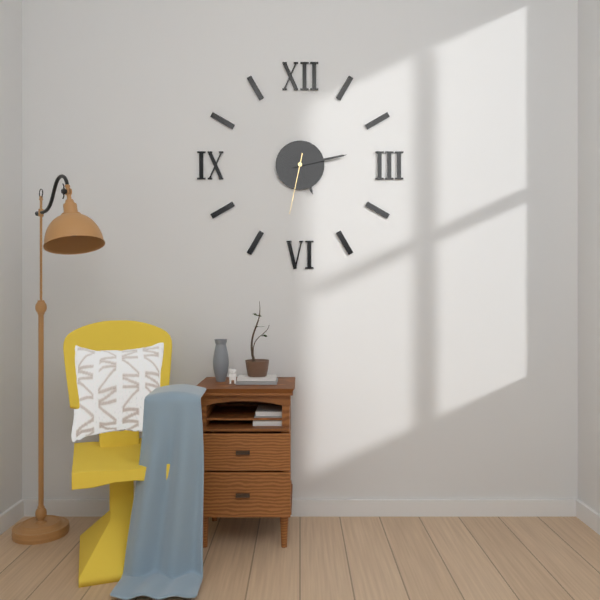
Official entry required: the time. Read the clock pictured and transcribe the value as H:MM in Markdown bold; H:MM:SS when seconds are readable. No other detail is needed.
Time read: **5:13:32**
